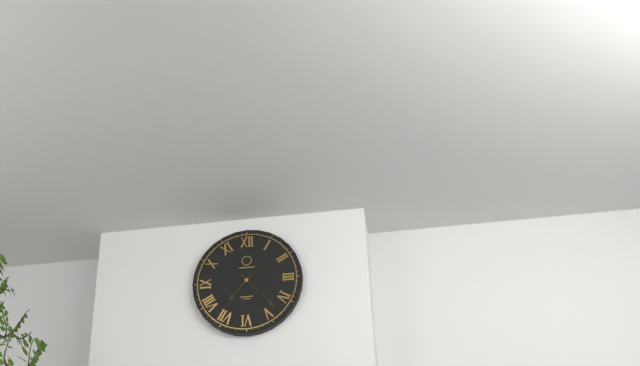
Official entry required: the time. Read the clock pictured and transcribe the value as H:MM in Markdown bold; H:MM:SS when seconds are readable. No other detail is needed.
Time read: **7:23**
